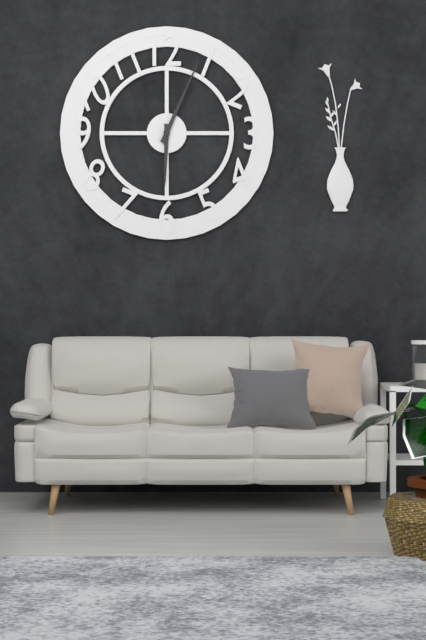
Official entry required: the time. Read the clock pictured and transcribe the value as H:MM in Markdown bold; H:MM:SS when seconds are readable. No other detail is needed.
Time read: **6:04**
